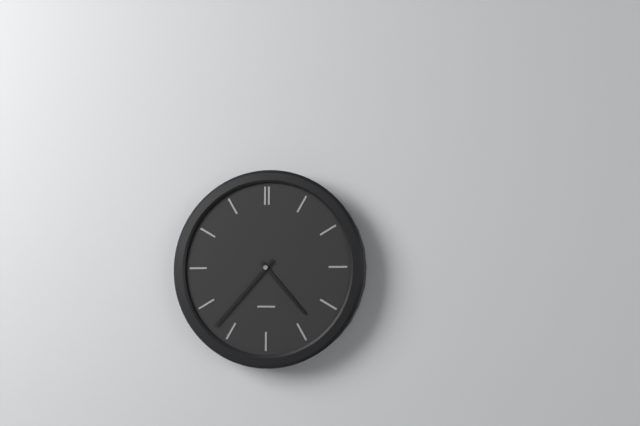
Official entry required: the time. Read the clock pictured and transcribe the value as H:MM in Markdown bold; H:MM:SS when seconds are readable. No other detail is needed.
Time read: **4:37**
